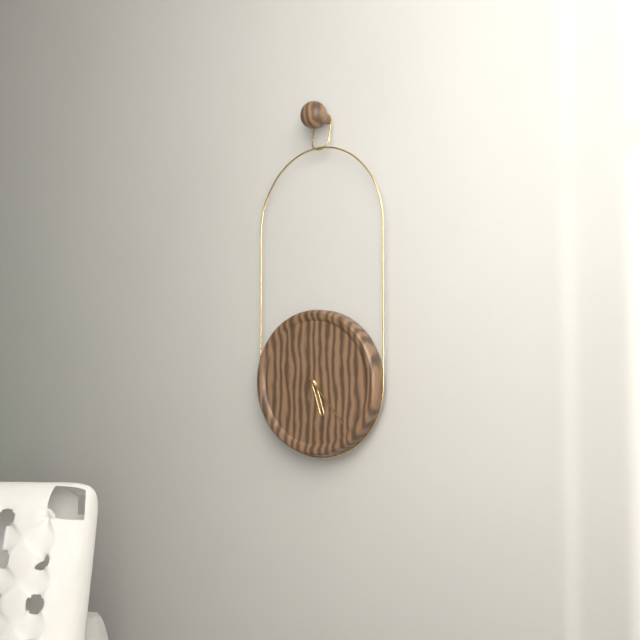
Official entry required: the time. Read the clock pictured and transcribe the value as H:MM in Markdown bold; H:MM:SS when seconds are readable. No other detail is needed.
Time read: **5:23**
